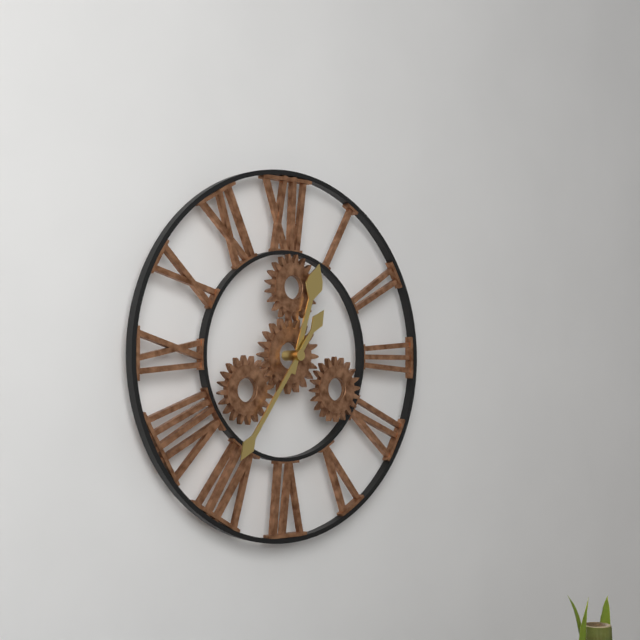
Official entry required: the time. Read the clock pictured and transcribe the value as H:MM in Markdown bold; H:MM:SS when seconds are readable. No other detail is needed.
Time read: **12:36**
